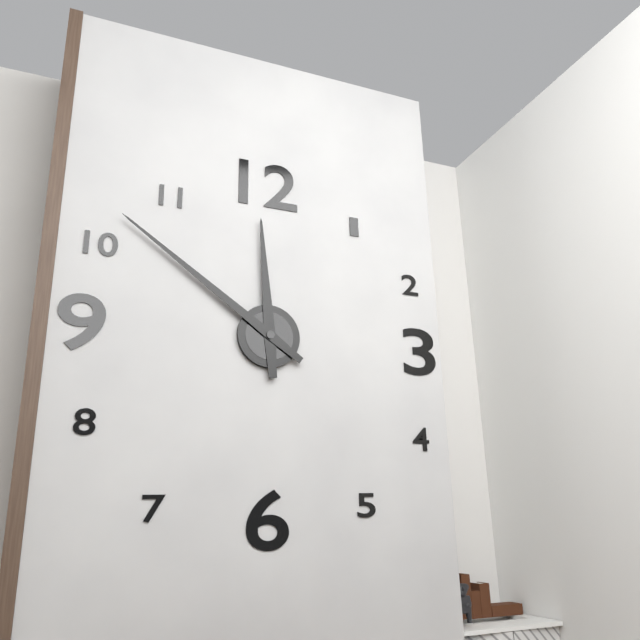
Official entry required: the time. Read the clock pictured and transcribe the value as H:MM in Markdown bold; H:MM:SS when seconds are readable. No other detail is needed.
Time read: **11:51**
